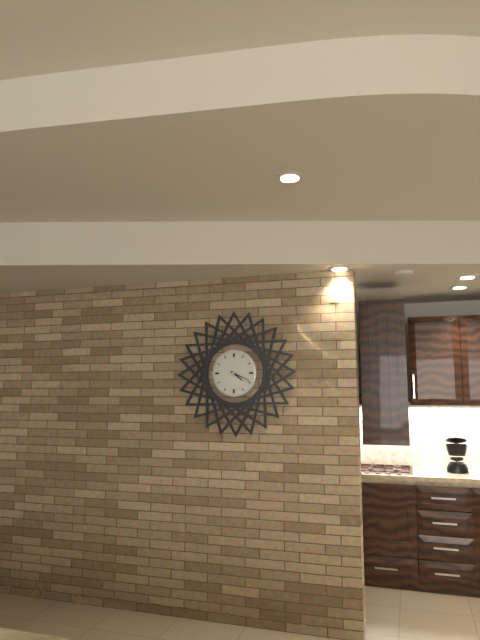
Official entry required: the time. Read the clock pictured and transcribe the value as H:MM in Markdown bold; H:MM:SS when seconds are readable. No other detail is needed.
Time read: **4:19**
